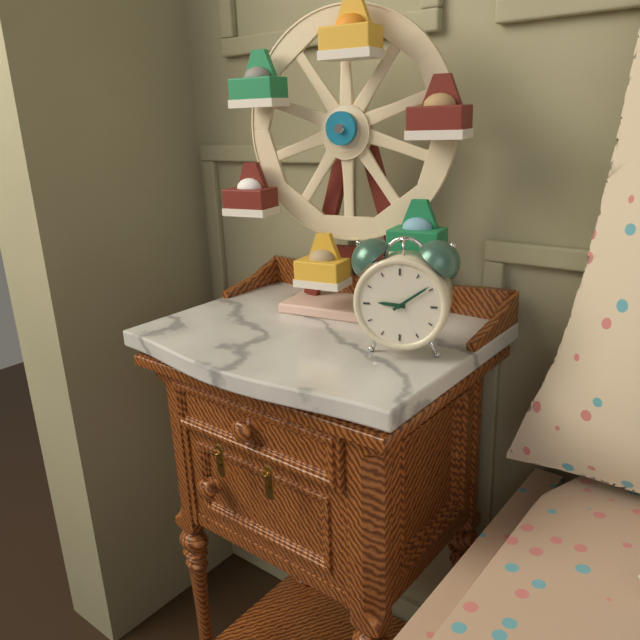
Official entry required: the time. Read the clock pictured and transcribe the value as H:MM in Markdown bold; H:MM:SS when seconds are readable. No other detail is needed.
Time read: **9:09**
